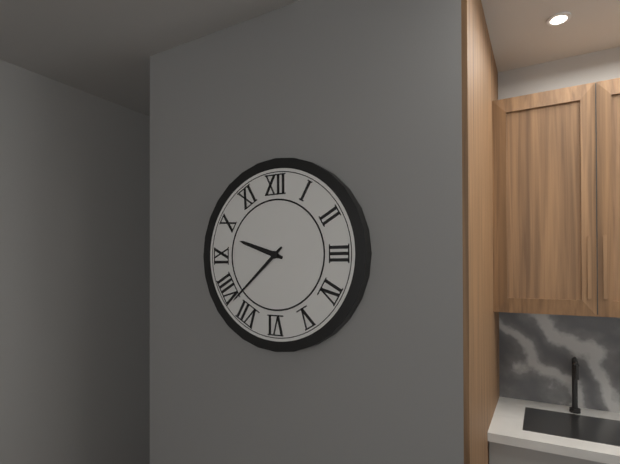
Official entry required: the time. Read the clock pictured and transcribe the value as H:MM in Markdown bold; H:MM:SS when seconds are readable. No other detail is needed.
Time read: **9:38**
